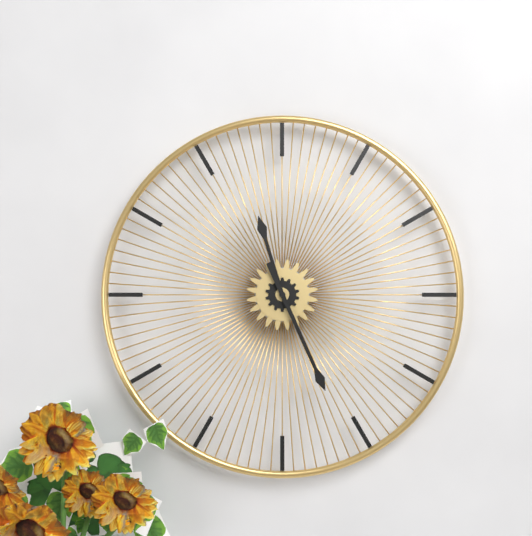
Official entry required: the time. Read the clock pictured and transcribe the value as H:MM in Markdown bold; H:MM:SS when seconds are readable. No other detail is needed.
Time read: **11:26**
